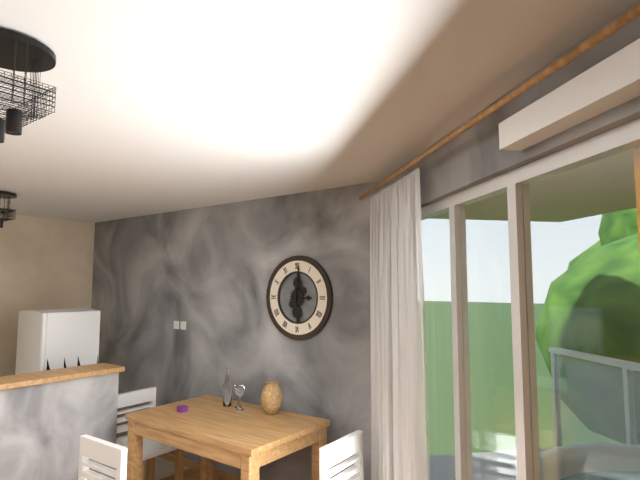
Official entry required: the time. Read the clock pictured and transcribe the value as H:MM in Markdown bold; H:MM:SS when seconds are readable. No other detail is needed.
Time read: **3:01**
